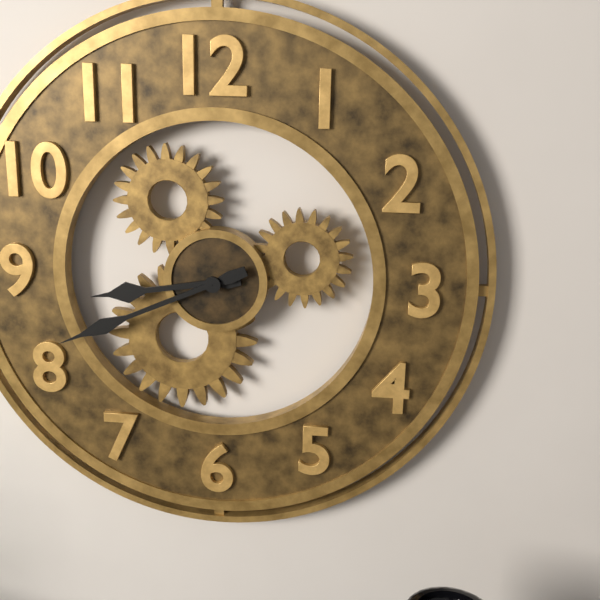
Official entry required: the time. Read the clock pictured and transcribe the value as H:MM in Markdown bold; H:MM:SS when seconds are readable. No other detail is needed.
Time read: **8:41**
